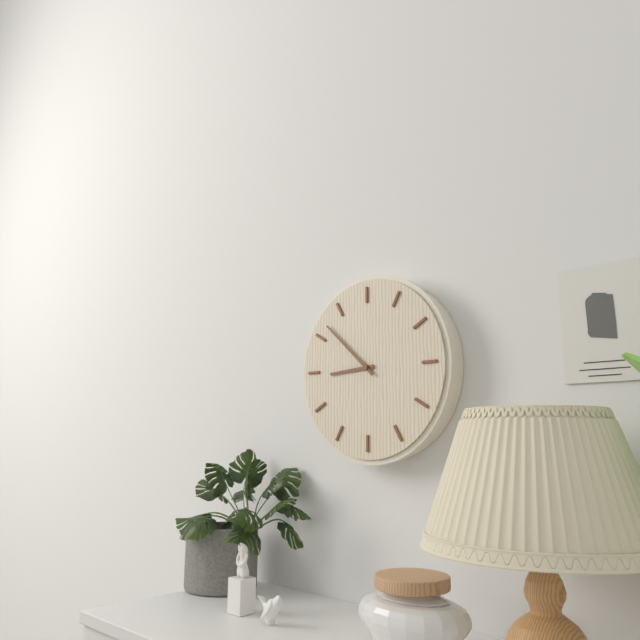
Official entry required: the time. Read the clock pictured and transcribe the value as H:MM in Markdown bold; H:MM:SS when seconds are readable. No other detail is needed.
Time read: **8:52**
